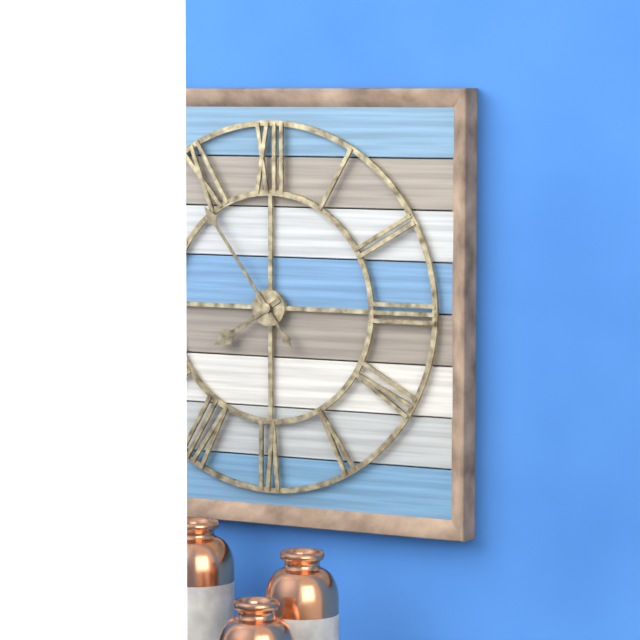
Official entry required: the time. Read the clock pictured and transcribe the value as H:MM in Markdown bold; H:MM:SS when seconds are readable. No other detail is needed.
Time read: **7:54**
